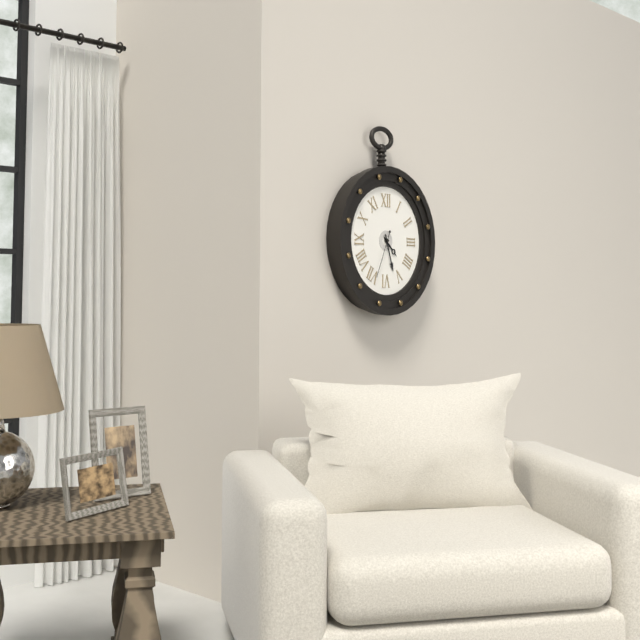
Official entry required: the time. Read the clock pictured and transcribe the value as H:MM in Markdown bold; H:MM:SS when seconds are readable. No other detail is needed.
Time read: **4:27**
